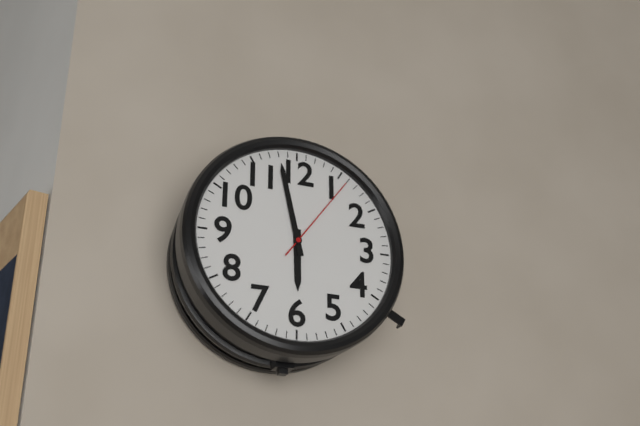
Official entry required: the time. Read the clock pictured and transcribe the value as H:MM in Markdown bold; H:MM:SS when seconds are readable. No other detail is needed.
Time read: **5:58:06**
